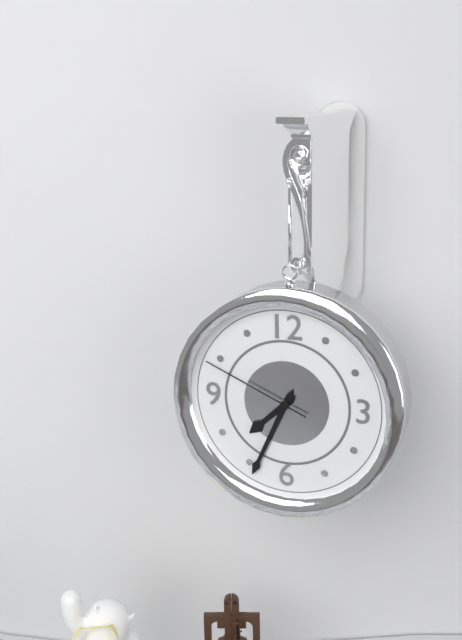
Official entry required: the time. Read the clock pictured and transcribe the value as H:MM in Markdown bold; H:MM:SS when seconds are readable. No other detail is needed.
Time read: **7:34:49**
